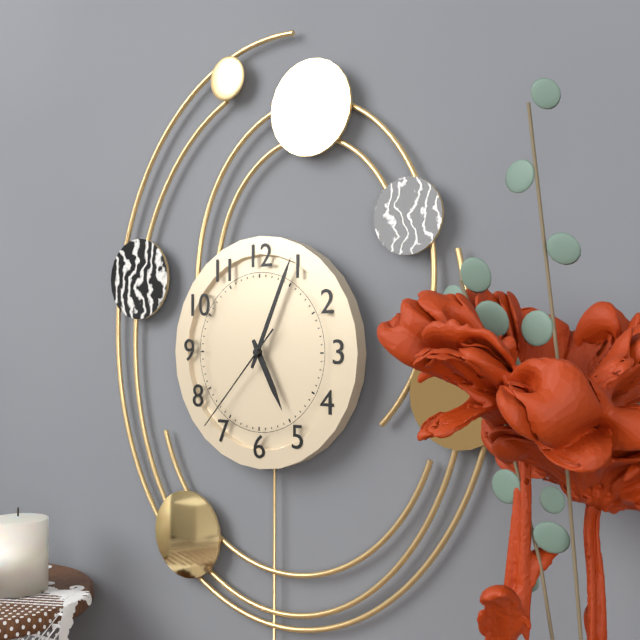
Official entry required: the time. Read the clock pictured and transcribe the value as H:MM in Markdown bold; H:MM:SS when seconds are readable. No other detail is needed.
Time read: **5:04:37**
